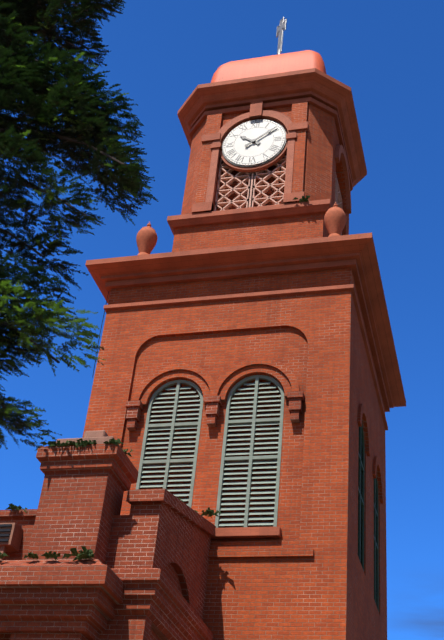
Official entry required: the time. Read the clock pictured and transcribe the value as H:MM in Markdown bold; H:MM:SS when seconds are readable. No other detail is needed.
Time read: **10:09**
